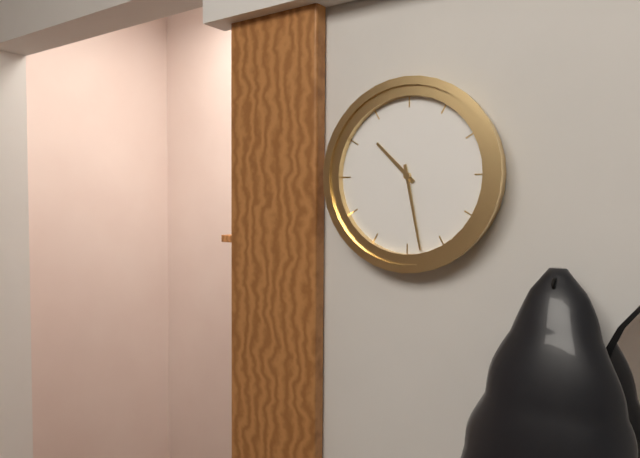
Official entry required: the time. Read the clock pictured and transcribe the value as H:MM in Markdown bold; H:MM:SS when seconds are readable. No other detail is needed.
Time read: **10:28**
